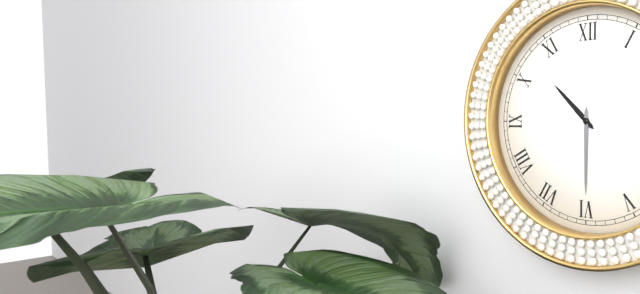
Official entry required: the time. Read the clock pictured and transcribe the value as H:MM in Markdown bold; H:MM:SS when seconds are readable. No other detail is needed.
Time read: **10:30**
